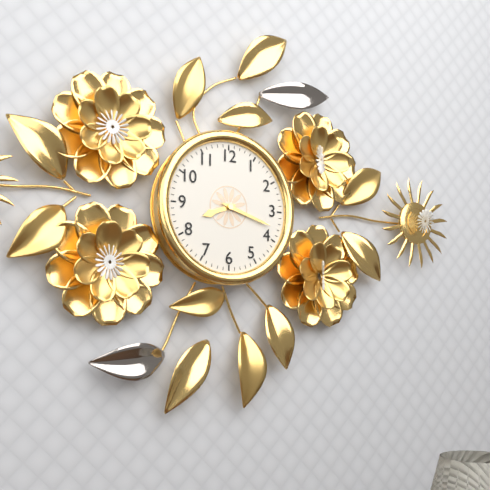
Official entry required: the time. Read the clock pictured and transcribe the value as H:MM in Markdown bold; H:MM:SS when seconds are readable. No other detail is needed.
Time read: **8:18**
